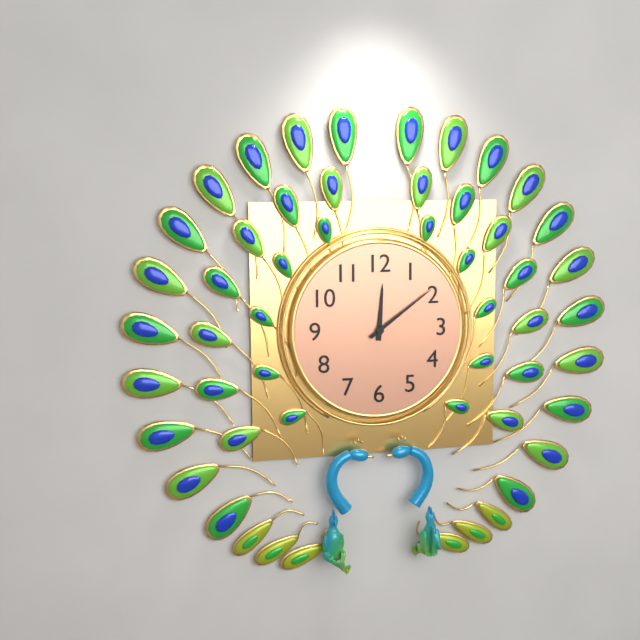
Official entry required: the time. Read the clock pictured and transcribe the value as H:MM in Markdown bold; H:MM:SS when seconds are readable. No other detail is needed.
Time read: **12:09**
